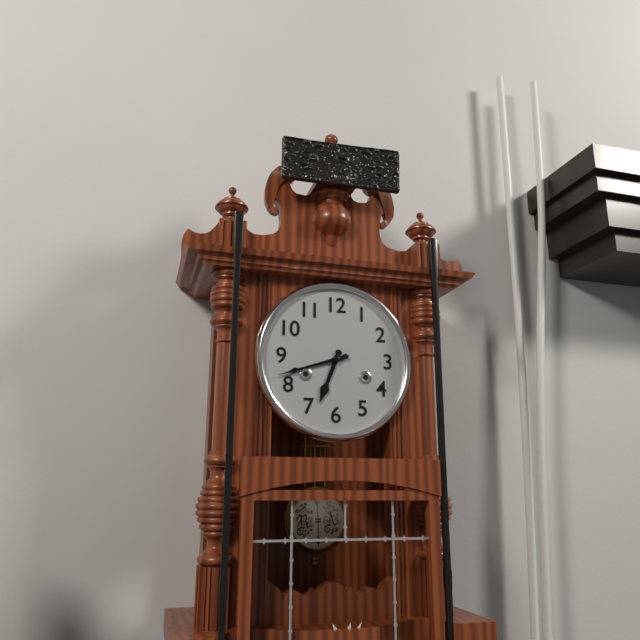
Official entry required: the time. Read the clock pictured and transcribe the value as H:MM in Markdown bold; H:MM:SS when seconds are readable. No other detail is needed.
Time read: **6:42**
